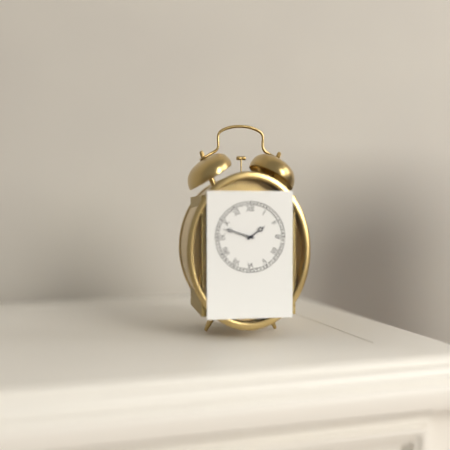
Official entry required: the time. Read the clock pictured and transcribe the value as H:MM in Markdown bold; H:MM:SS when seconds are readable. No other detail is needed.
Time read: **1:48**
